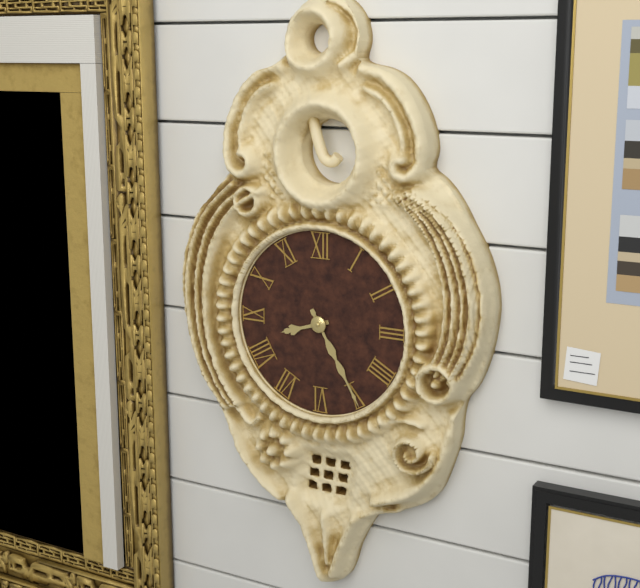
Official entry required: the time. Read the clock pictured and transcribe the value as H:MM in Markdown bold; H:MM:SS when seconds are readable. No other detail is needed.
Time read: **8:25**
